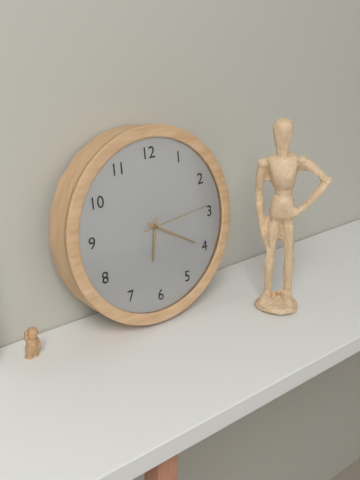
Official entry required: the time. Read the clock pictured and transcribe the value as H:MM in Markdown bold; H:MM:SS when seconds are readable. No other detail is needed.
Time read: **6:20:14**
